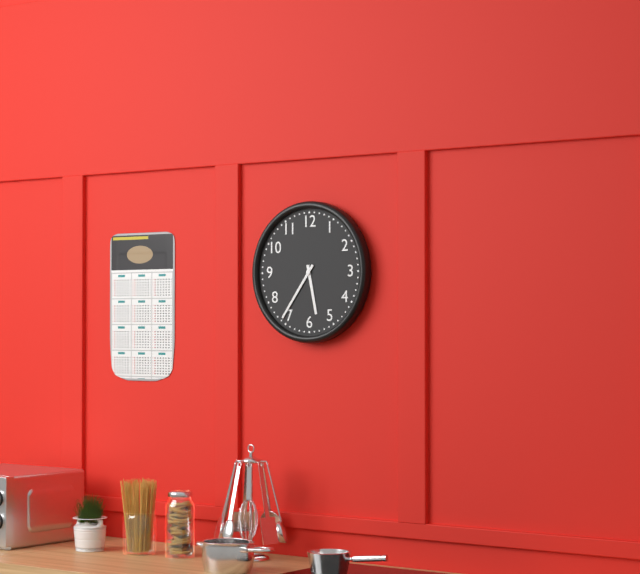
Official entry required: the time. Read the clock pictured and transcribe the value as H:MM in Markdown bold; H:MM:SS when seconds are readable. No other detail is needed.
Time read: **5:36**
